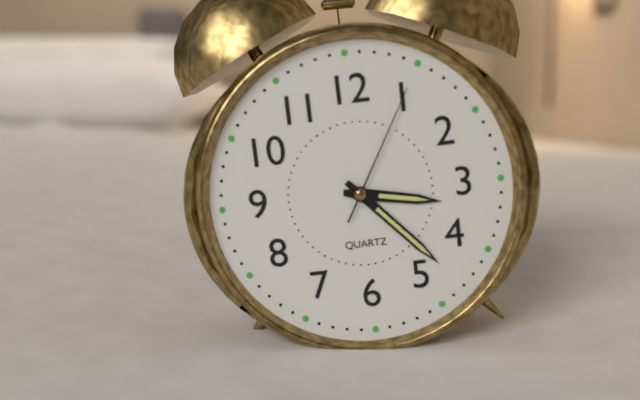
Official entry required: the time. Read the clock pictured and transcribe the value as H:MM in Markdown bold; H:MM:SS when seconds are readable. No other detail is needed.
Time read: **3:23:05**
